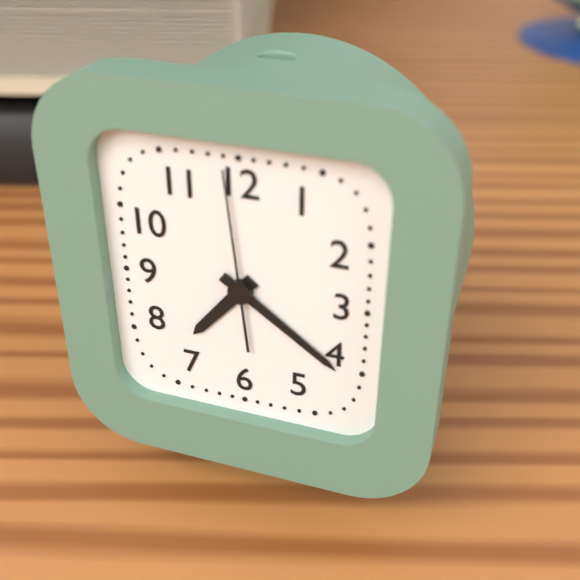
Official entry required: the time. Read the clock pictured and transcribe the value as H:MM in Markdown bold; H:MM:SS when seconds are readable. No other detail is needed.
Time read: **7:21:59**
